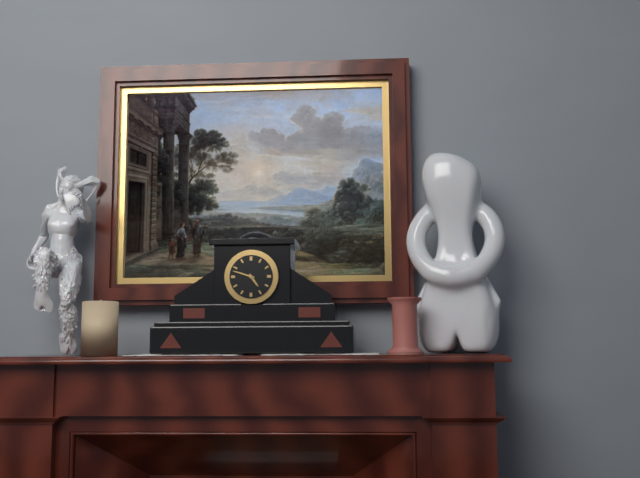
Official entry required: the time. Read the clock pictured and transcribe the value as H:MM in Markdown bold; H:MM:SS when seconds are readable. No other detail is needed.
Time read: **4:48**
